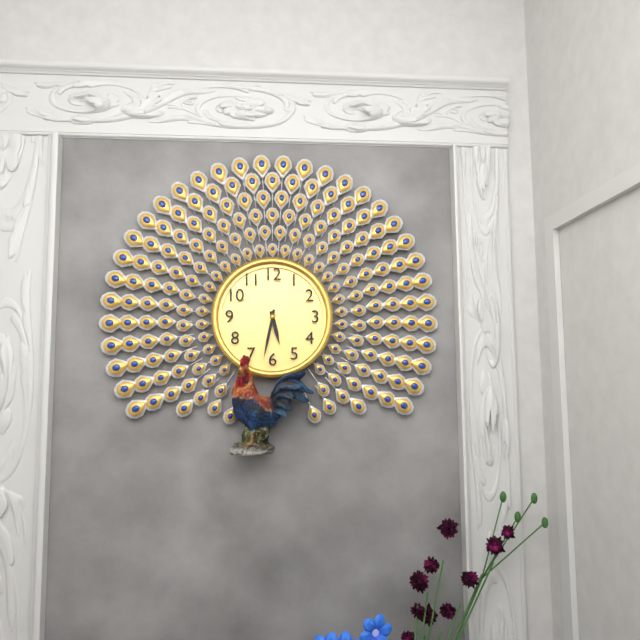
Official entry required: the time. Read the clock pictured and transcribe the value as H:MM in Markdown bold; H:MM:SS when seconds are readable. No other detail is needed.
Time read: **5:32**
